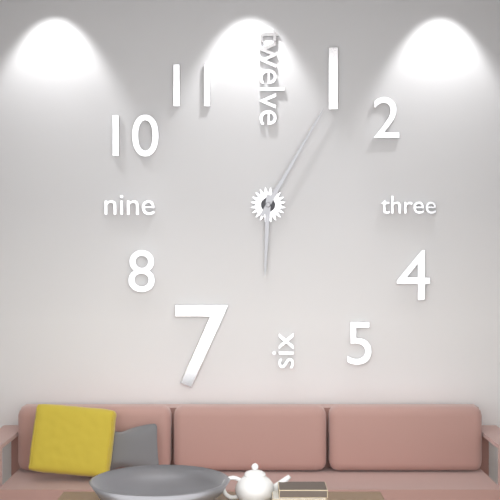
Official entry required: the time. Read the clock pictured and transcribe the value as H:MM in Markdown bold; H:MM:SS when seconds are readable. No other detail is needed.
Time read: **6:05**
